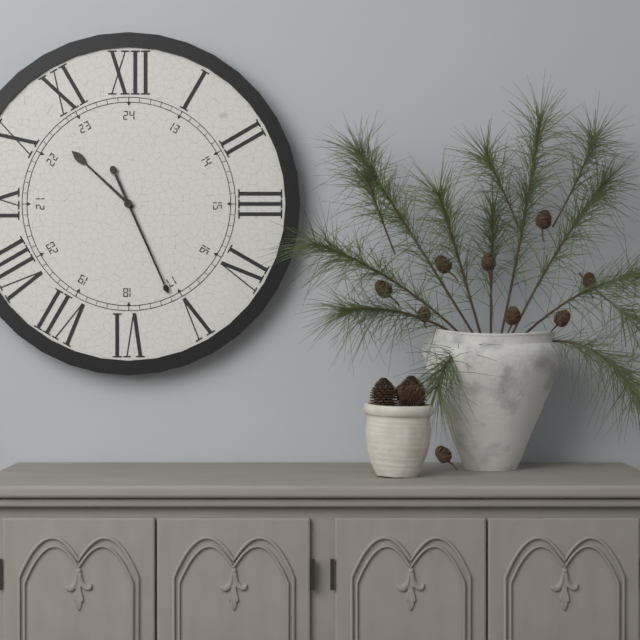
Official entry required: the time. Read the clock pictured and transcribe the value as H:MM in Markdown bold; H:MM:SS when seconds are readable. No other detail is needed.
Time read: **10:26**
